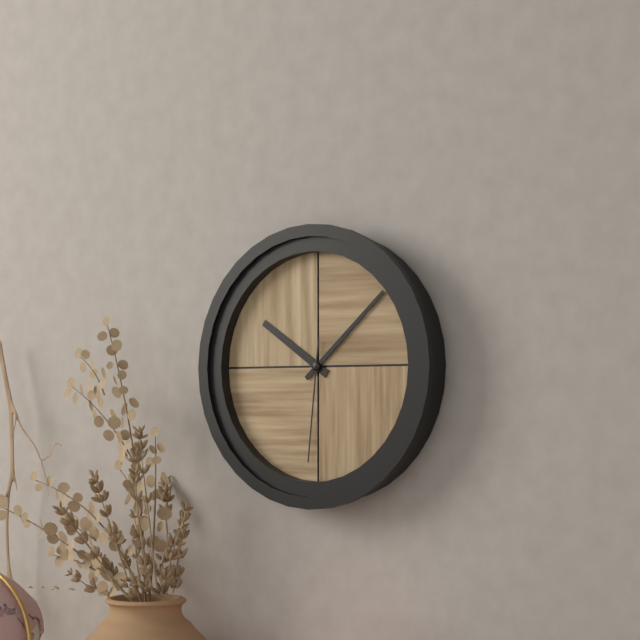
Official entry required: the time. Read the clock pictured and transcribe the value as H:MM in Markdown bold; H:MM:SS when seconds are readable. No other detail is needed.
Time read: **10:08:31**
